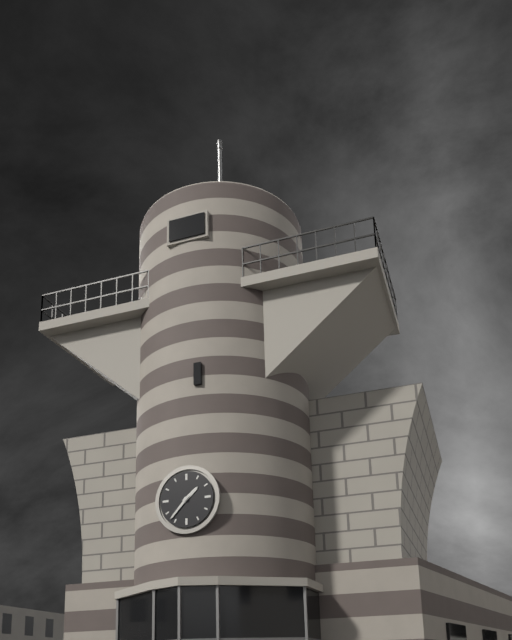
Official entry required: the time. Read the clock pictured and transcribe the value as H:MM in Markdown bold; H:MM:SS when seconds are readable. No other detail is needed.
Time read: **1:37**
